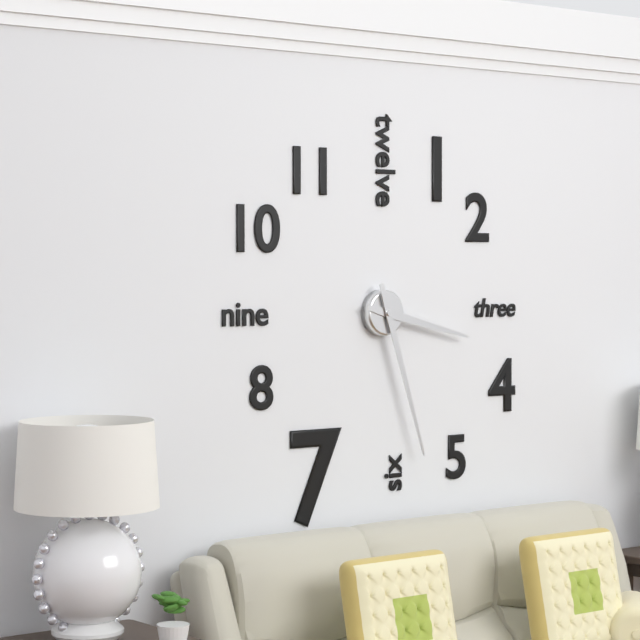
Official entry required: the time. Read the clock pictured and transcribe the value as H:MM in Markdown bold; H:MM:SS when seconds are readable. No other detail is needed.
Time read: **3:27**
